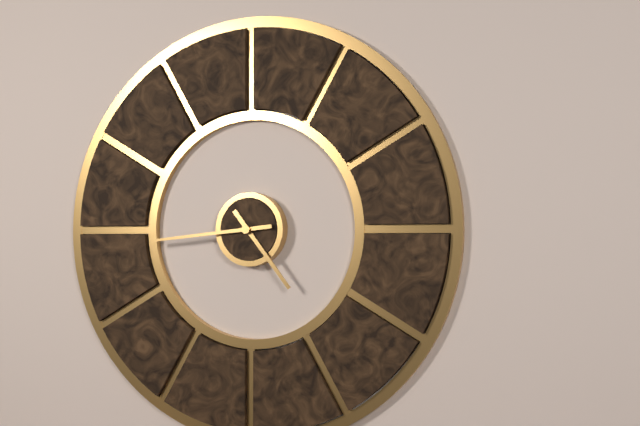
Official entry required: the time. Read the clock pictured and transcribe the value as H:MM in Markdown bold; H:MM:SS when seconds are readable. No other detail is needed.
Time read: **4:44**
